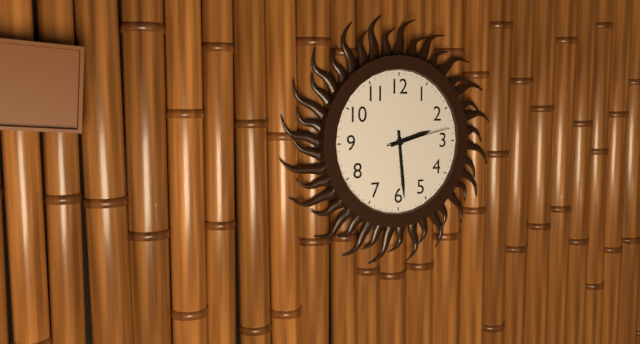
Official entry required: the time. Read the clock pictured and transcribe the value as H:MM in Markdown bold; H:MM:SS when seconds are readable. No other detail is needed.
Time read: **2:29:13**
